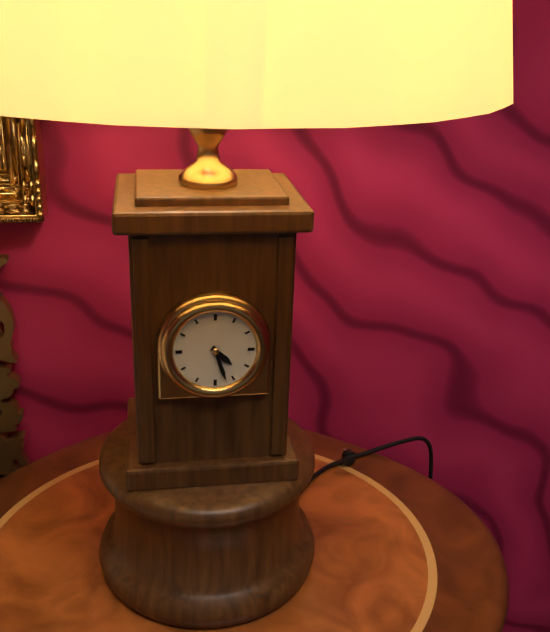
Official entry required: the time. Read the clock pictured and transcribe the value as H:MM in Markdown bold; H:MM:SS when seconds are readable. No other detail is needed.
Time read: **4:27**
